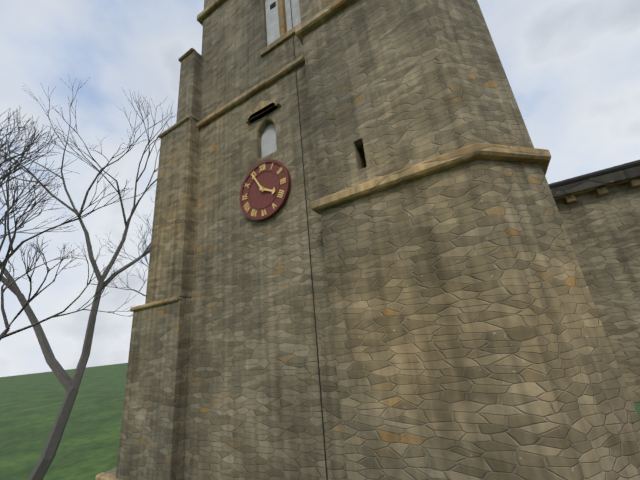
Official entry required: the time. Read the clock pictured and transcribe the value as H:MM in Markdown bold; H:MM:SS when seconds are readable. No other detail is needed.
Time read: **3:55**
